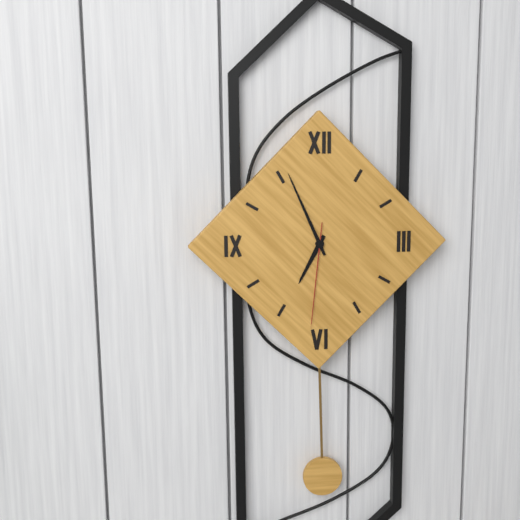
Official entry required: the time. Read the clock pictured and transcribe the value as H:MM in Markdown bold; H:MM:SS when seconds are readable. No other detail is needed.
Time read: **6:56:31**
